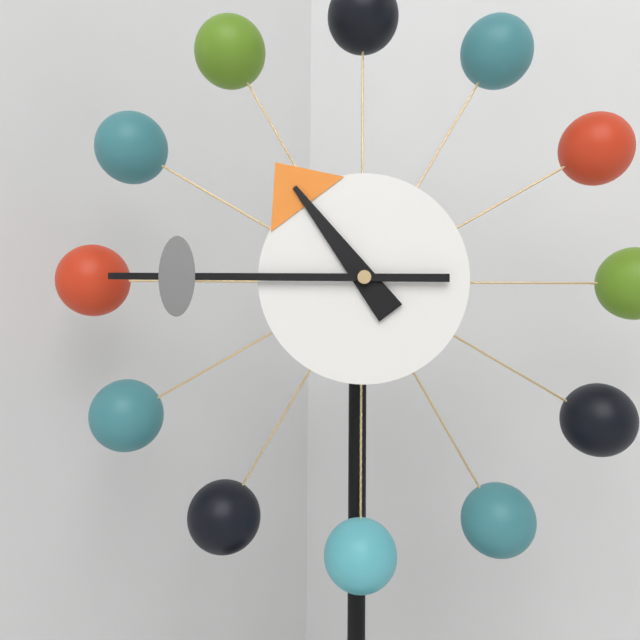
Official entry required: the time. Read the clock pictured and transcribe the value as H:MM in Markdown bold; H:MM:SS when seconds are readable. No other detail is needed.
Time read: **10:45**
